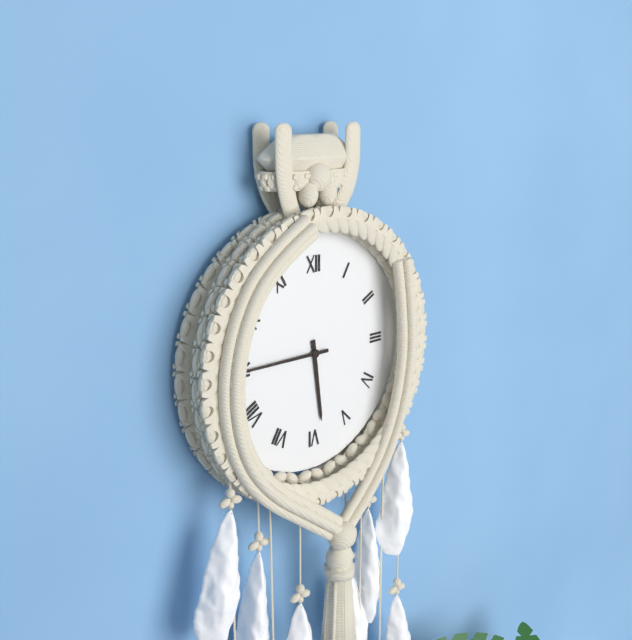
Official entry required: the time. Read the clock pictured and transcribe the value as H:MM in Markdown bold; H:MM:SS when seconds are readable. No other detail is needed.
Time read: **5:45**
